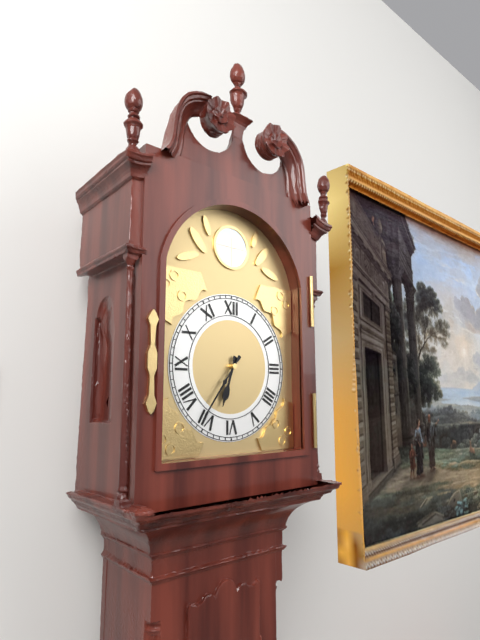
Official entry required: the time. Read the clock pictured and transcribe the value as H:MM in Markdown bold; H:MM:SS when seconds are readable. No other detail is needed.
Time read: **6:36**
